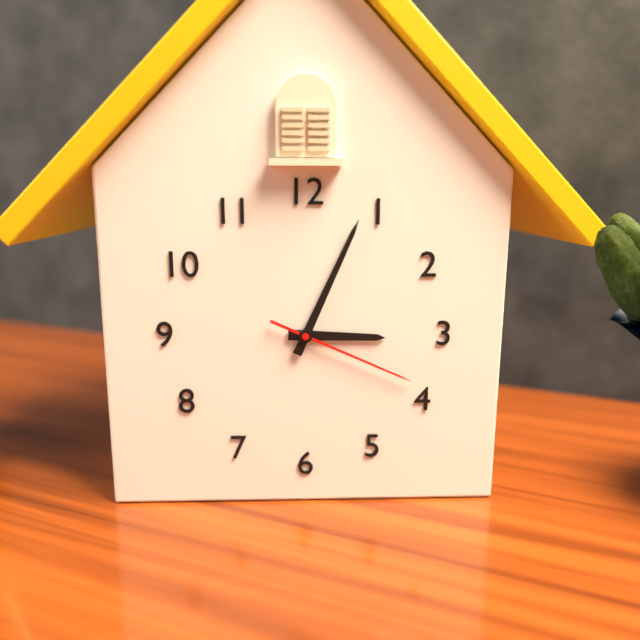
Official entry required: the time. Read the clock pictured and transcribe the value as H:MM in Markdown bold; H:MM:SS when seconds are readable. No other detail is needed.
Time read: **3:04:19**
